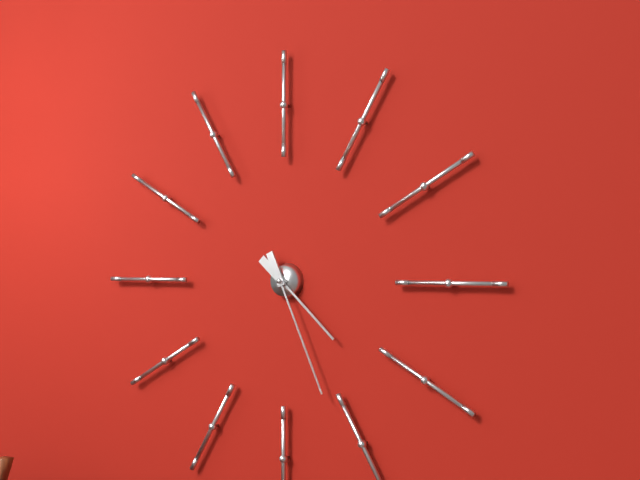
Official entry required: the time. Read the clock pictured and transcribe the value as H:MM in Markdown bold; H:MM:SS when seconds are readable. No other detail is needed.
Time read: **4:26**
